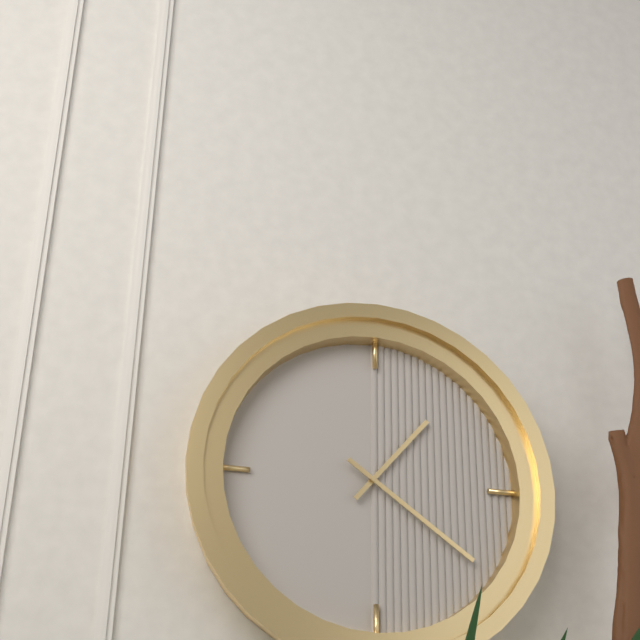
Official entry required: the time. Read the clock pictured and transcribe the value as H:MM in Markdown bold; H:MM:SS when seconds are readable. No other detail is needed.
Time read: **1:21**
